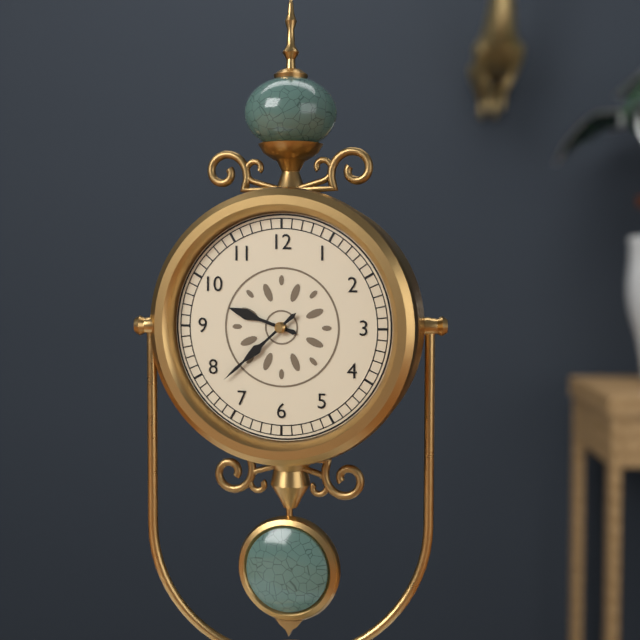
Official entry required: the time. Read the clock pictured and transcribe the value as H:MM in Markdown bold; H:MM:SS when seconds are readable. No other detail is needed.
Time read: **9:38**
